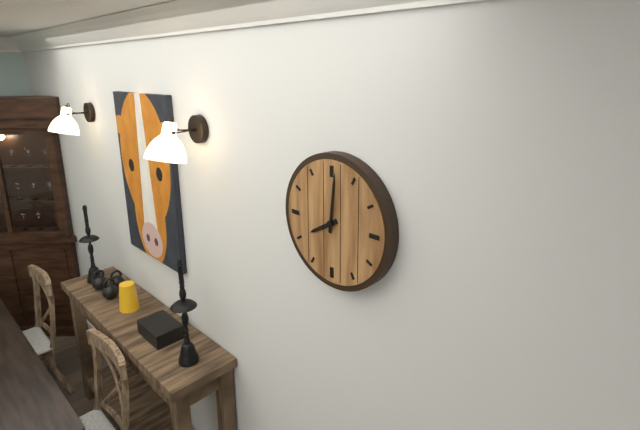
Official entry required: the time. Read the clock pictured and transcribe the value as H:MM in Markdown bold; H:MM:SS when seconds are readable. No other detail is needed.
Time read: **8:01**
